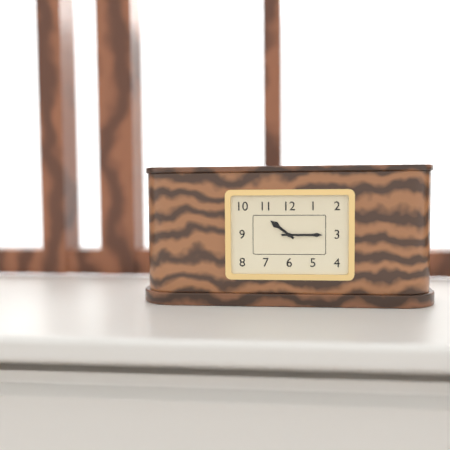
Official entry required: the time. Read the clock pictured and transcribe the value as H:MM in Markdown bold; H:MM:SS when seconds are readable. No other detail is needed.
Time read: **10:15**
